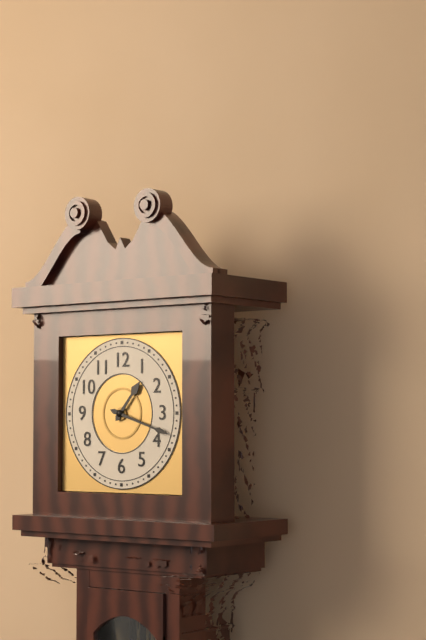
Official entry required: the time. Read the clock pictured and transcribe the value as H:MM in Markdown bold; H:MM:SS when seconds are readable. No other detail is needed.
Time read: **1:18**
